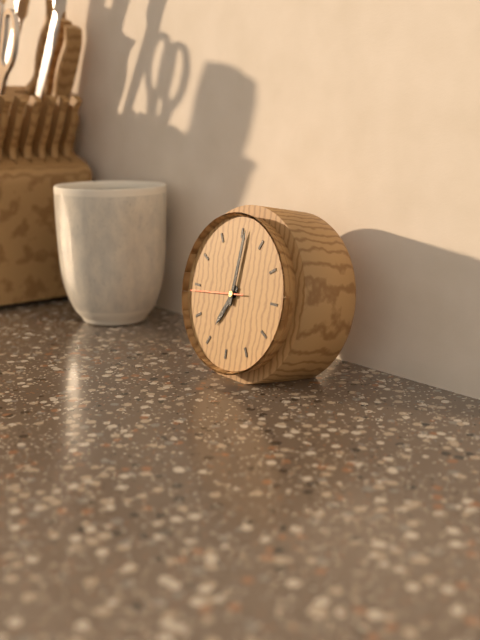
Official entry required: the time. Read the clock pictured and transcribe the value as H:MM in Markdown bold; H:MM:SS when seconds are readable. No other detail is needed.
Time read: **7:01:44**
